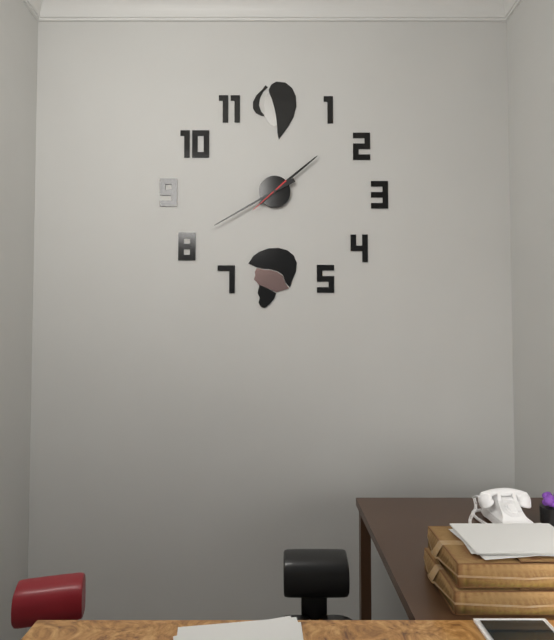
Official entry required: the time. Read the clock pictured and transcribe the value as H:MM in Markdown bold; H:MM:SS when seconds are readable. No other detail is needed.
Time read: **1:40**
